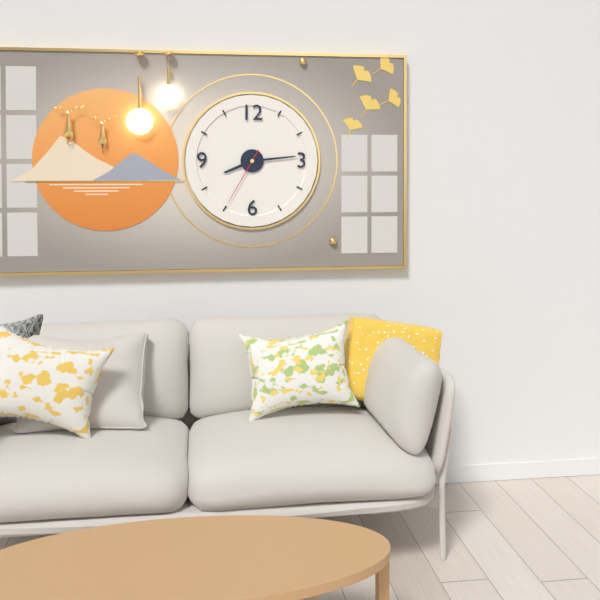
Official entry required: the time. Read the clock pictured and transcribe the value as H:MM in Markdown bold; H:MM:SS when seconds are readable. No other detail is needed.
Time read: **8:14:35**
